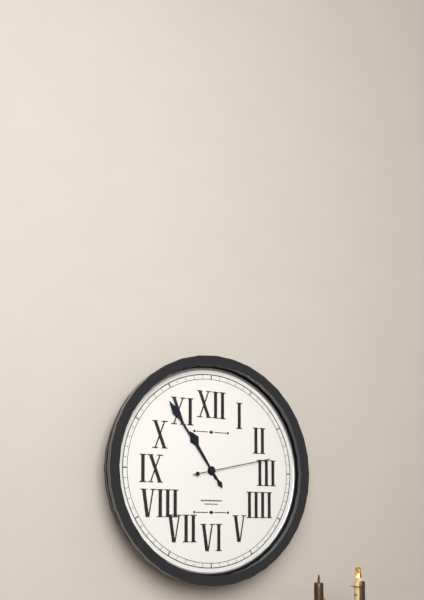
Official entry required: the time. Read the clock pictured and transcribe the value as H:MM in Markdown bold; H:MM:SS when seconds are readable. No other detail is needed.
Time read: **10:54:13**
